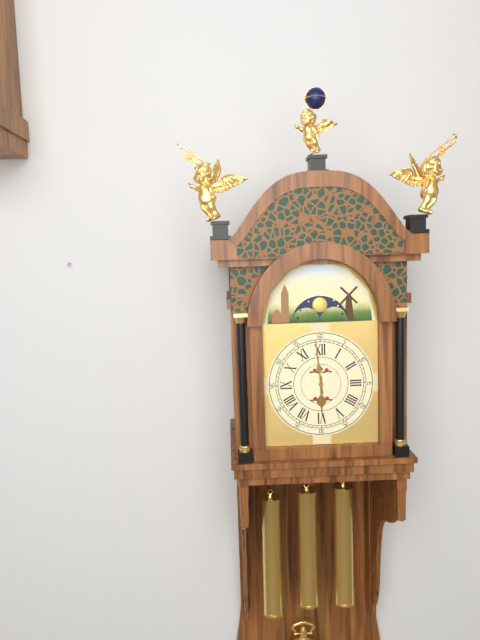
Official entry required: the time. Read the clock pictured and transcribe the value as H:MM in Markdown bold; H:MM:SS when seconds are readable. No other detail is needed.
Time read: **5:59**
